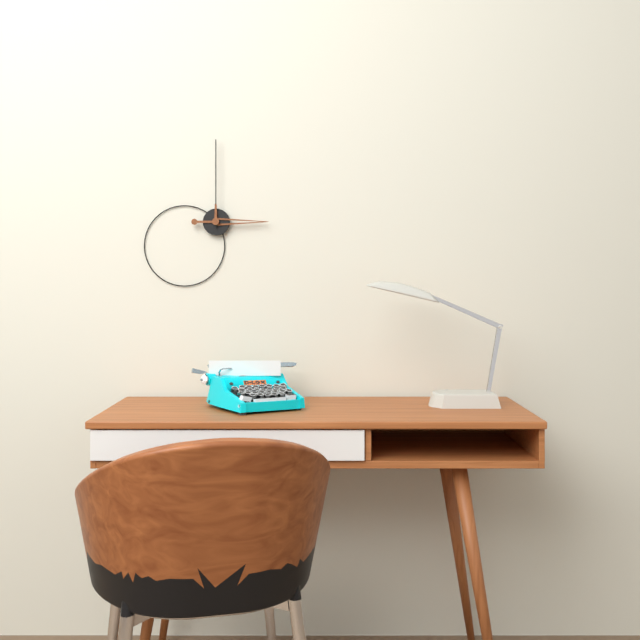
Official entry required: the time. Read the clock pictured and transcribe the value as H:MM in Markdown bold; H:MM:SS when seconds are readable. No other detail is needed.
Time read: **3:00**
